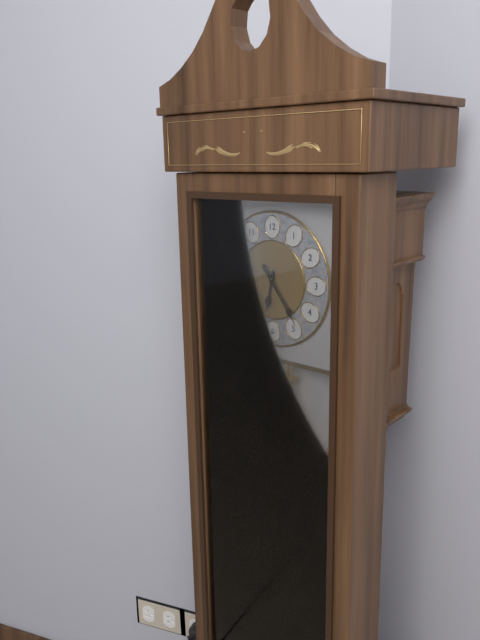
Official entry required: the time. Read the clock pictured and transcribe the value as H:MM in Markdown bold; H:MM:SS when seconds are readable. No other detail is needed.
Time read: **6:24**
